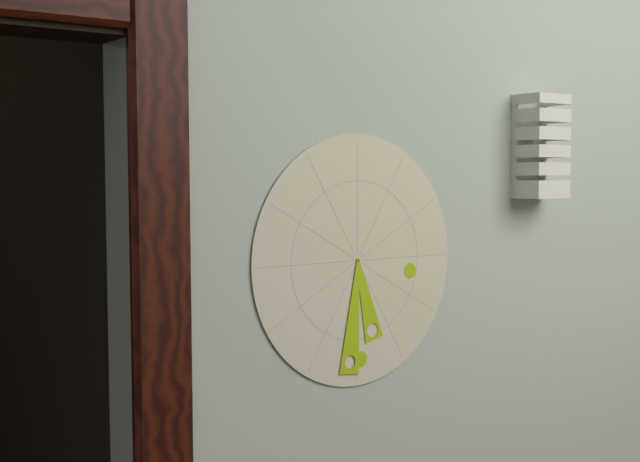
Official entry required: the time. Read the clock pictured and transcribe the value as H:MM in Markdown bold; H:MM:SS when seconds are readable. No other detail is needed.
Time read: **5:31**
